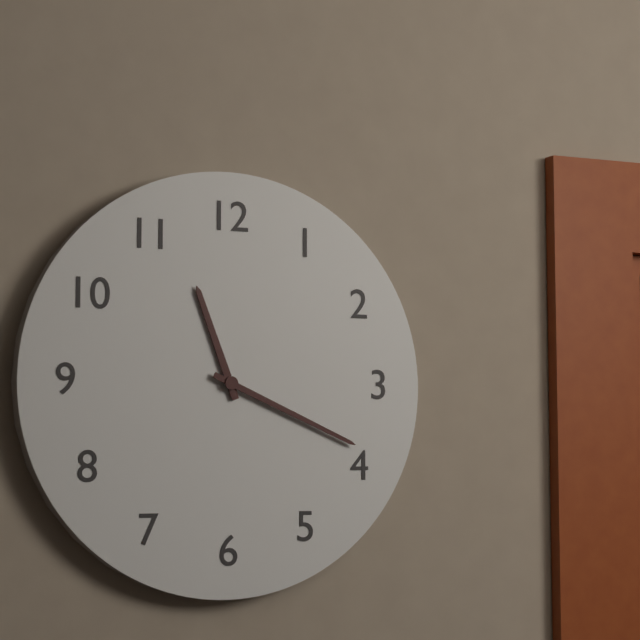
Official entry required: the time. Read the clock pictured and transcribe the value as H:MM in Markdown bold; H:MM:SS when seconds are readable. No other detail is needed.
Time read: **11:19**
